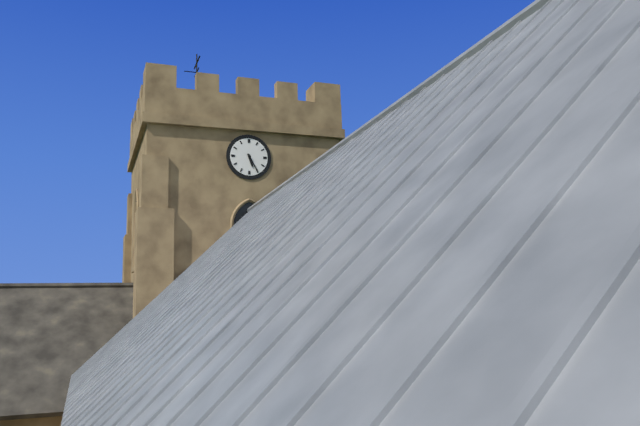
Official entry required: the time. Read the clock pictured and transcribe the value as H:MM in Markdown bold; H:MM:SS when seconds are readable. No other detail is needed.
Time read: **5:25**
